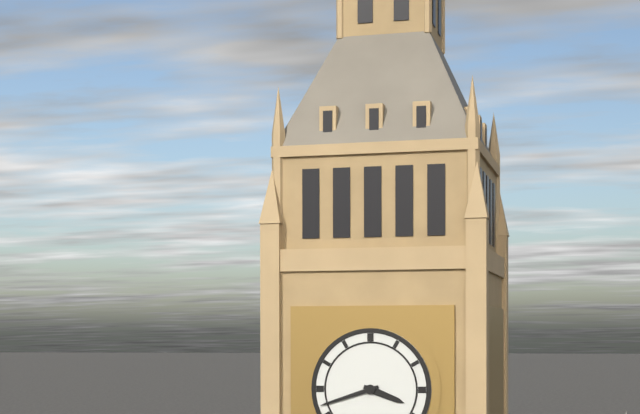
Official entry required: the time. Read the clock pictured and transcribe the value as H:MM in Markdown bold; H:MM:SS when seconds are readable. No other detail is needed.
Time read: **3:42**
